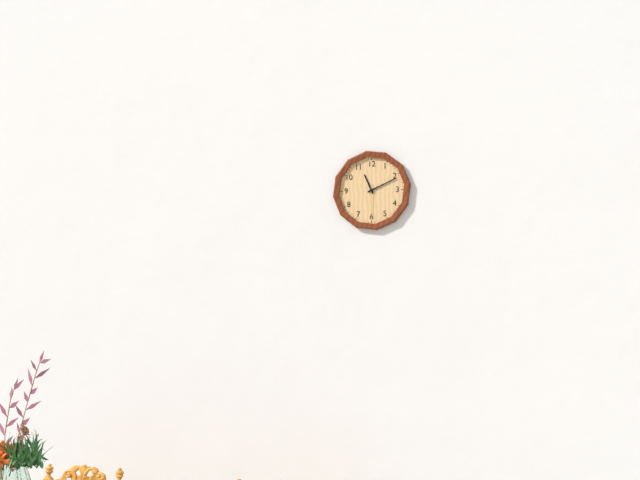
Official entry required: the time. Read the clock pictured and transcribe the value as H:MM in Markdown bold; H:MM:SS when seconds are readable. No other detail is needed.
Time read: **11:11**
